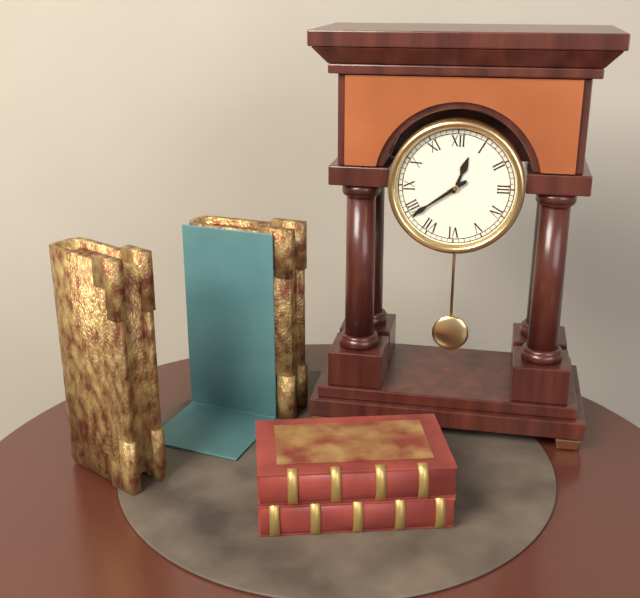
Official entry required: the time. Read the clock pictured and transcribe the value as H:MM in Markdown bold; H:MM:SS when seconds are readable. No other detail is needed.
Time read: **12:39**
